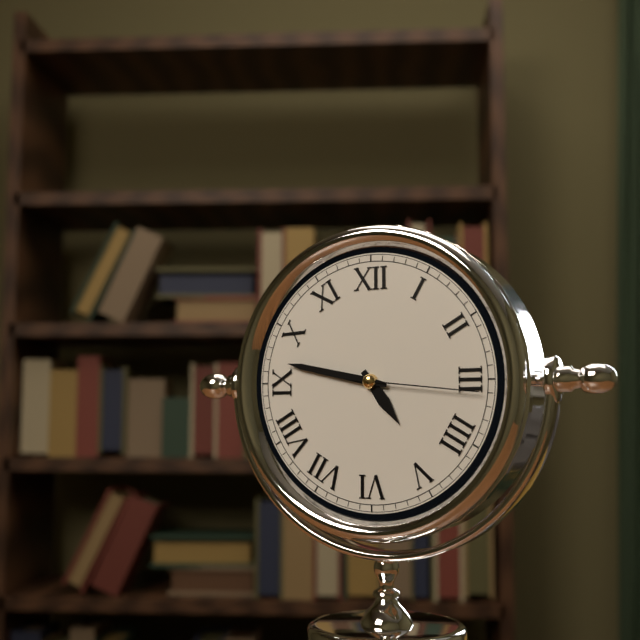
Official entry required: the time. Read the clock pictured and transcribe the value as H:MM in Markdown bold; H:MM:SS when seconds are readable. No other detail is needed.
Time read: **4:47:16**
